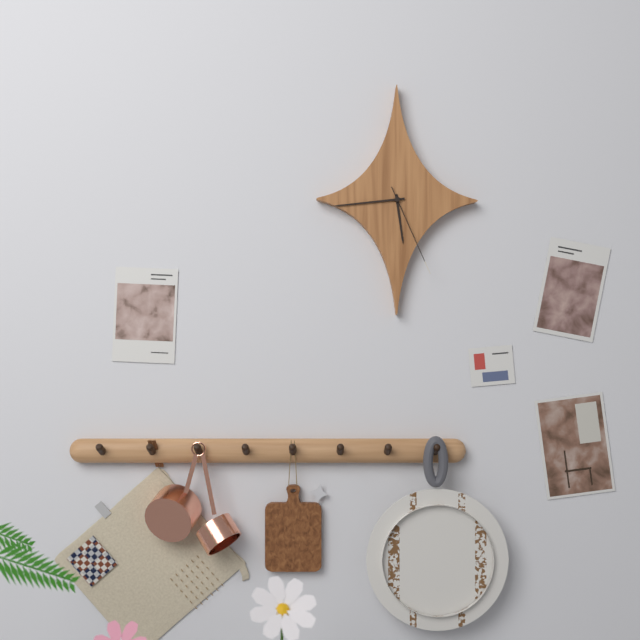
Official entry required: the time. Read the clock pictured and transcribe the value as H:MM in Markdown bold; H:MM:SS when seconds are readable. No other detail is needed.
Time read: **5:44:26**
